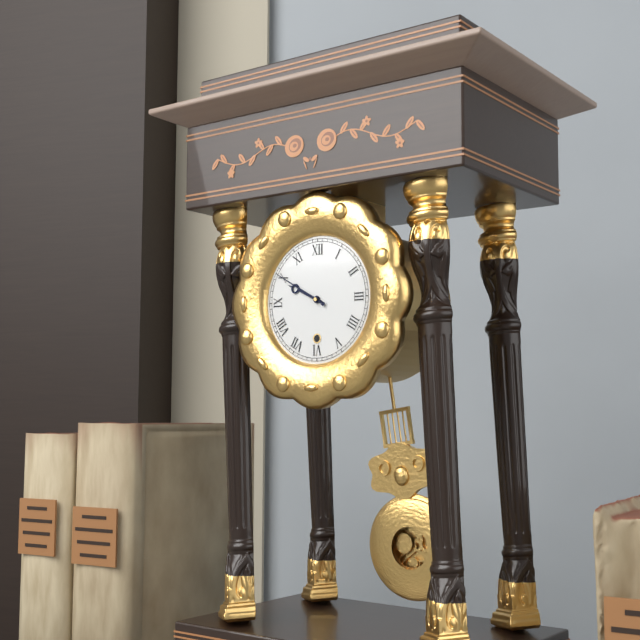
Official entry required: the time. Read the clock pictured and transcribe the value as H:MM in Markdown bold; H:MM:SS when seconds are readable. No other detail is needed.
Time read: **9:50**
